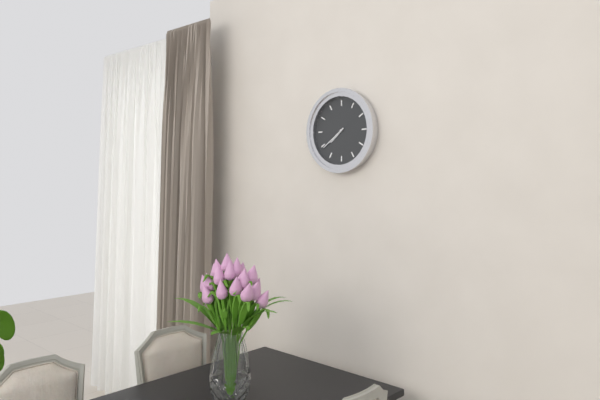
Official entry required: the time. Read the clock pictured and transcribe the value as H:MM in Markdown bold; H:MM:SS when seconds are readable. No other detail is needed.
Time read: **7:39**
